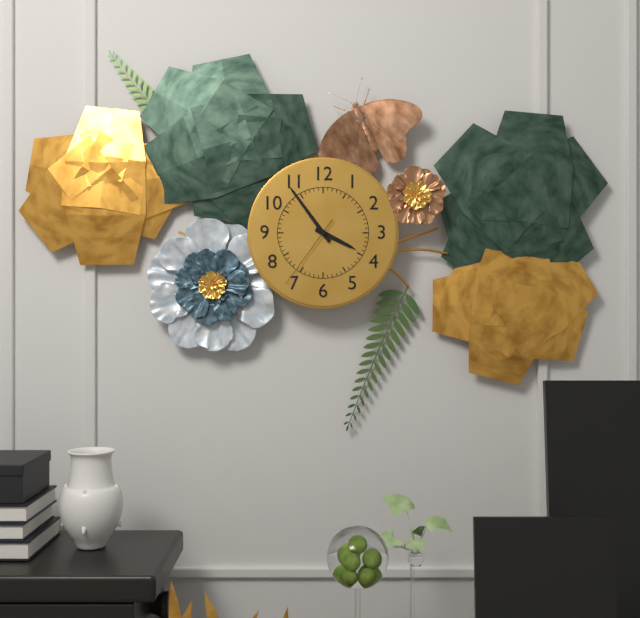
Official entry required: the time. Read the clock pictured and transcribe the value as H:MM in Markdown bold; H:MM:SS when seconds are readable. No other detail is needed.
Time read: **3:54:36**
